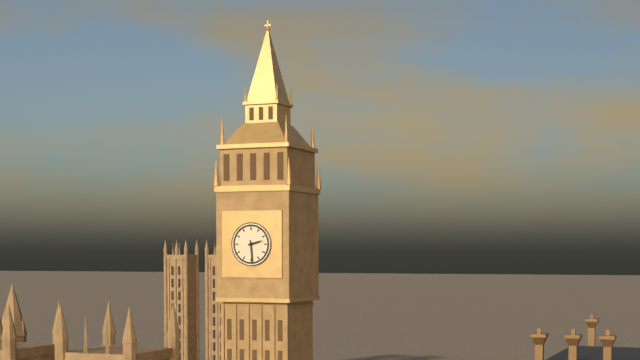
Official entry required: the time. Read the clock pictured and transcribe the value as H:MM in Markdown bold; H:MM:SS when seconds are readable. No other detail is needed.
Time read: **2:29**
